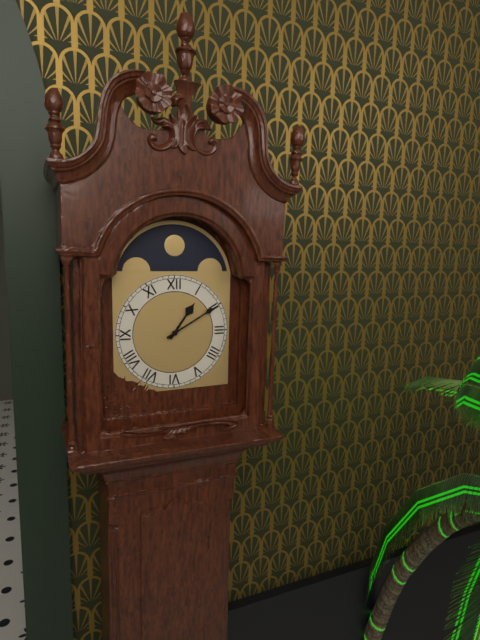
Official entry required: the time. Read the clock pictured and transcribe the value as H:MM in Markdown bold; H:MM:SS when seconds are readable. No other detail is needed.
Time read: **1:10**
